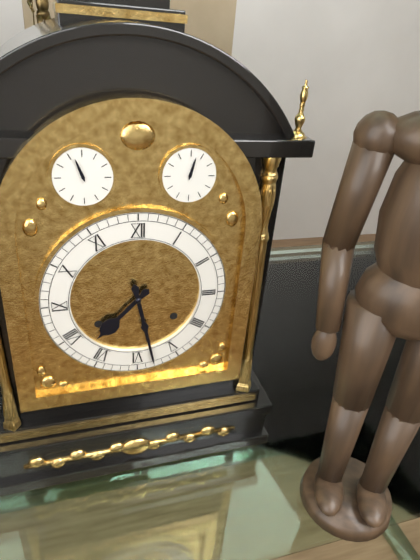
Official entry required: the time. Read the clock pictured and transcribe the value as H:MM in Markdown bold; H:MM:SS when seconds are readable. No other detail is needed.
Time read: **7:28**
